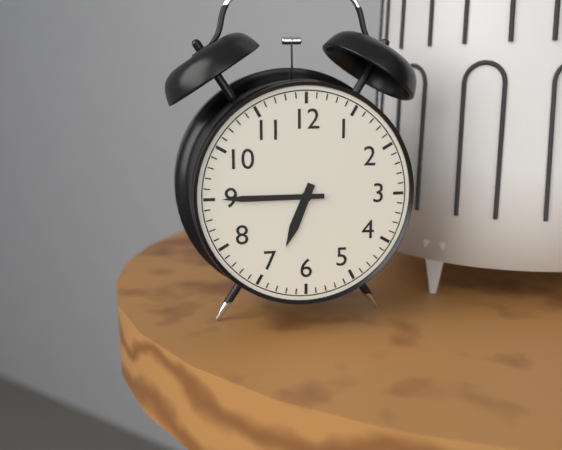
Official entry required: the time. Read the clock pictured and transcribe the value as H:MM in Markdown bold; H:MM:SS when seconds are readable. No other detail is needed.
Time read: **6:45**
